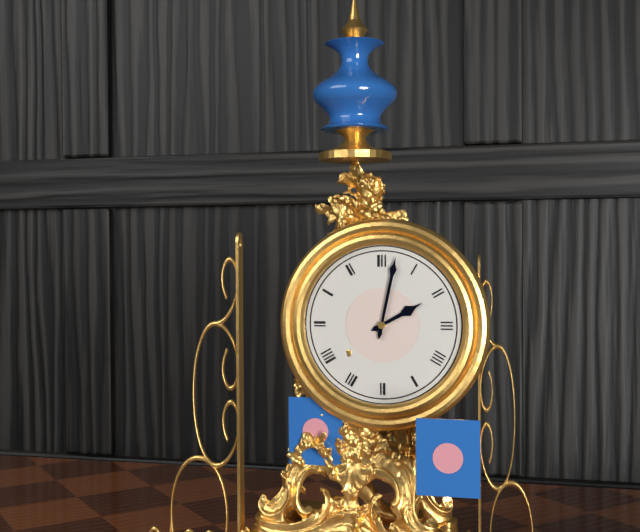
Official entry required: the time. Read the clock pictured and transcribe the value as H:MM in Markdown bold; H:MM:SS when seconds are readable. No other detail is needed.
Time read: **2:02**
